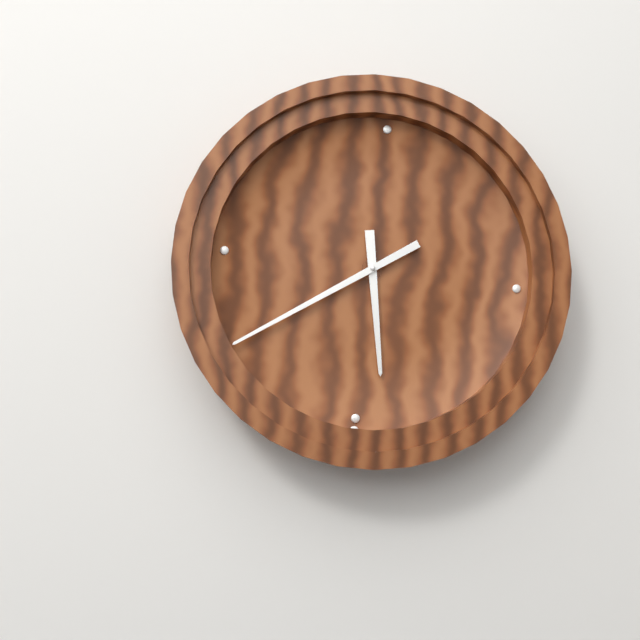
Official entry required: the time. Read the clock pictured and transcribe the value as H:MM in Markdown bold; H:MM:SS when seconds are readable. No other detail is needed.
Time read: **5:39**
